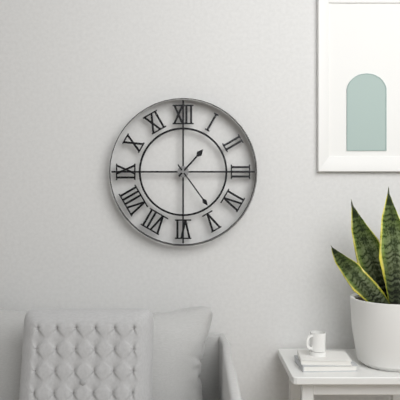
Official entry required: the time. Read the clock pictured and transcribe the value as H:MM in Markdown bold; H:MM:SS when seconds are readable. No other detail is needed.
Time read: **1:24**
